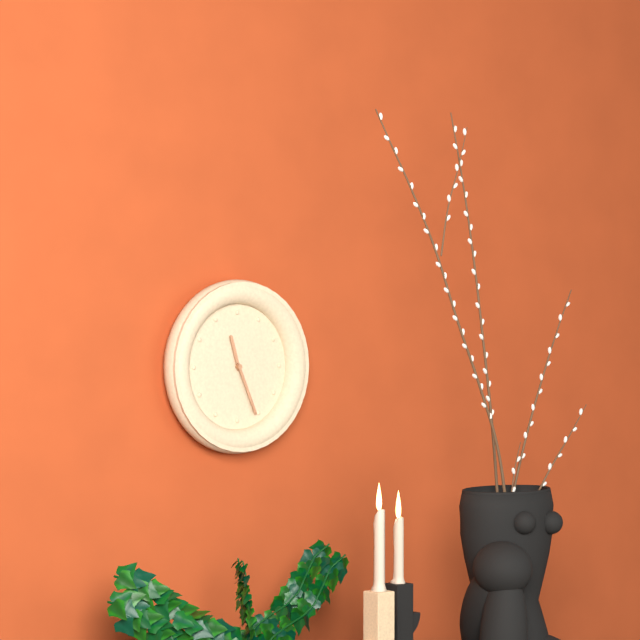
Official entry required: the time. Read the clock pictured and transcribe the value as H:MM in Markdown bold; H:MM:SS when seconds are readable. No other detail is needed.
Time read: **11:26**
